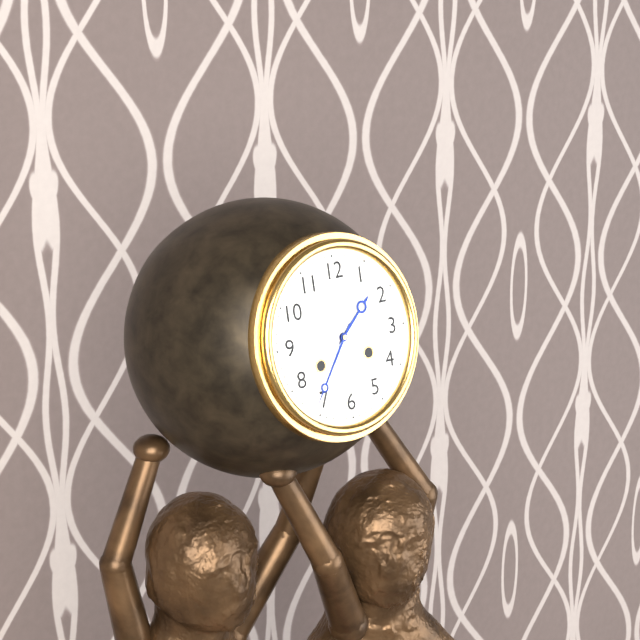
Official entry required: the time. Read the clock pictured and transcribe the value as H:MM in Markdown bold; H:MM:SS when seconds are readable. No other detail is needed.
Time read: **1:36**
